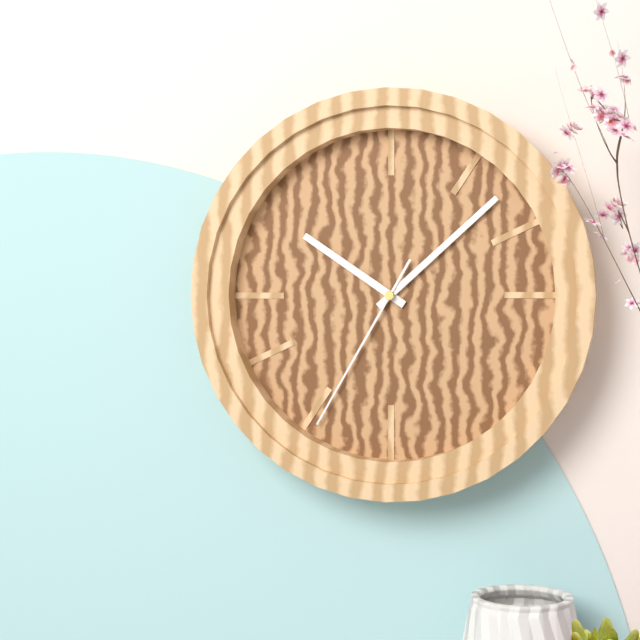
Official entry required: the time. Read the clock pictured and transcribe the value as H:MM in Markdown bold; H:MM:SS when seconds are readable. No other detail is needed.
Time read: **10:08:35**
